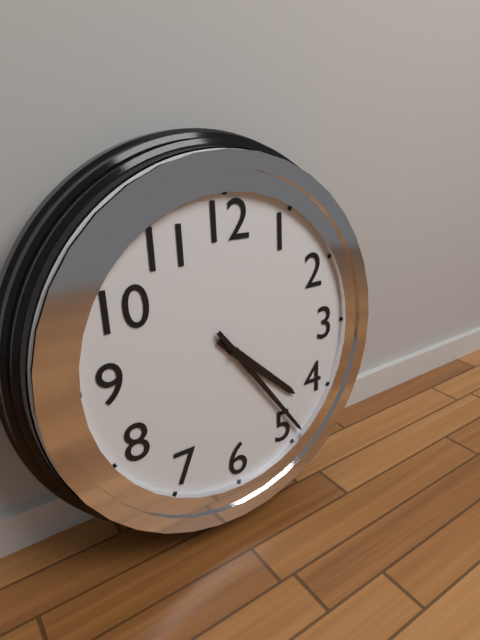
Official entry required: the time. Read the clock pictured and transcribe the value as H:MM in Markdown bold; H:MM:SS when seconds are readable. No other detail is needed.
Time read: **4:24**
